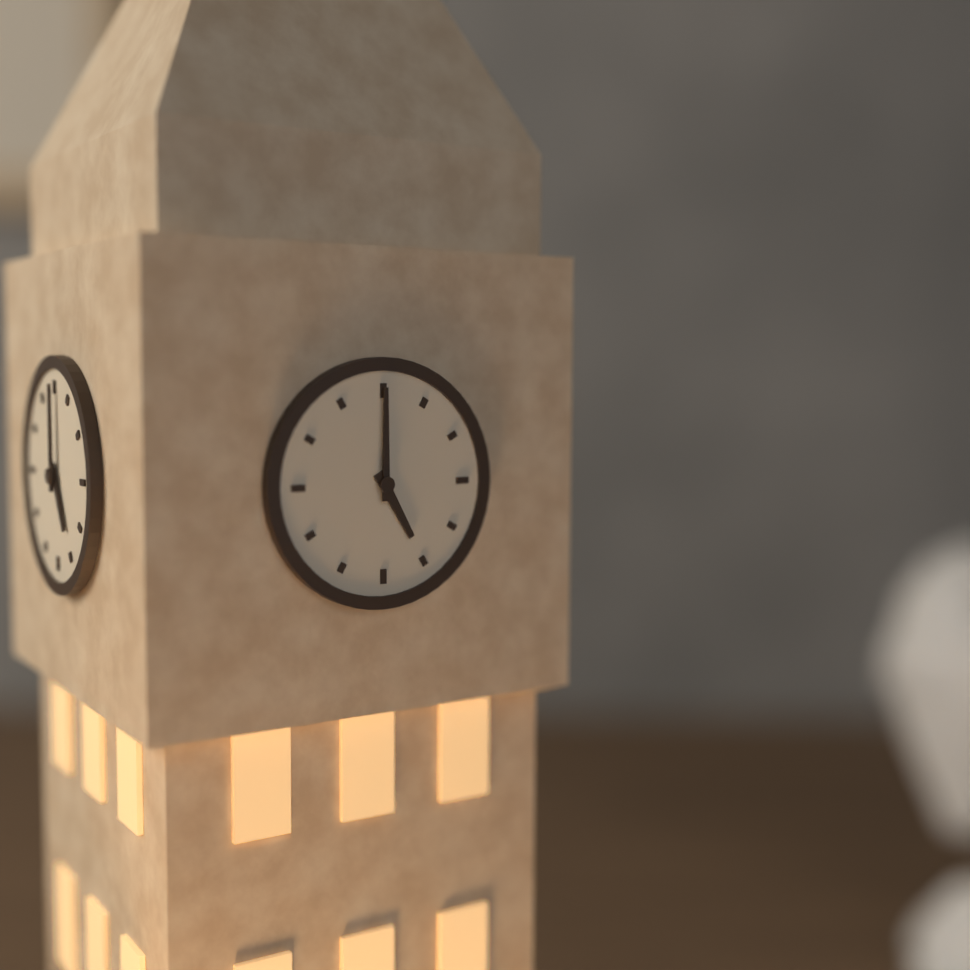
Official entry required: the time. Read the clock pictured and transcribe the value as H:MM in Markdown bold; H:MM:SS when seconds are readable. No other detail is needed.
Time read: **5:00**
